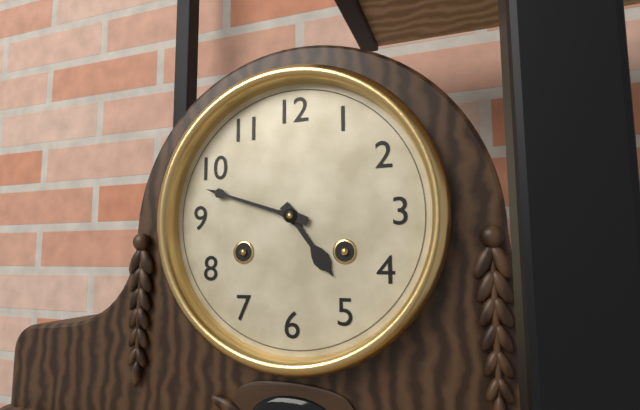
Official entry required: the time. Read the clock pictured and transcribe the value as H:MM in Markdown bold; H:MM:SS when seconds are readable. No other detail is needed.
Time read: **4:48**
